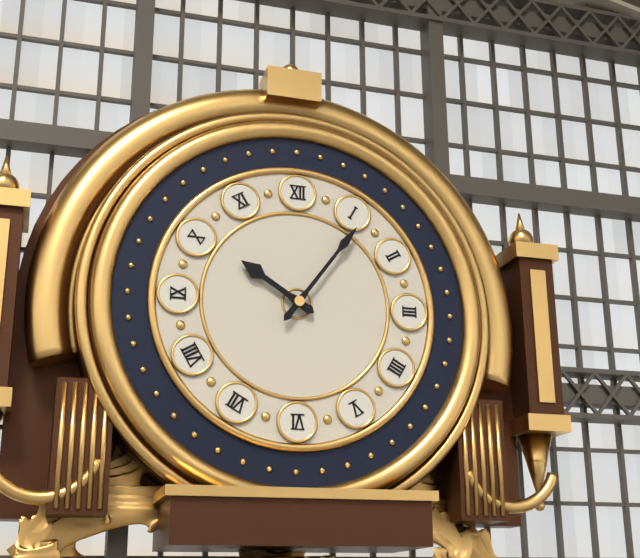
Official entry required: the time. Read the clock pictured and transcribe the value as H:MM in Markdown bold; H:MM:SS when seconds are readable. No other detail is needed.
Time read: **10:06**
